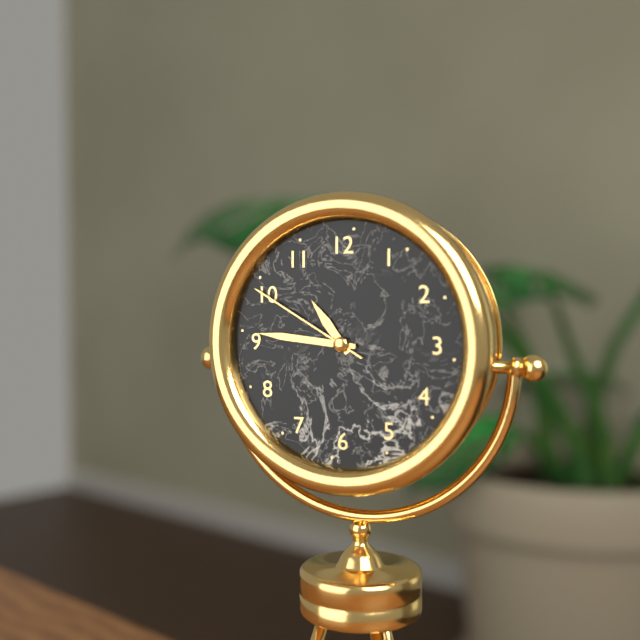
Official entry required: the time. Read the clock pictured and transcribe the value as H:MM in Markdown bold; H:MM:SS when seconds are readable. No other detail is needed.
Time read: **10:46:50**
